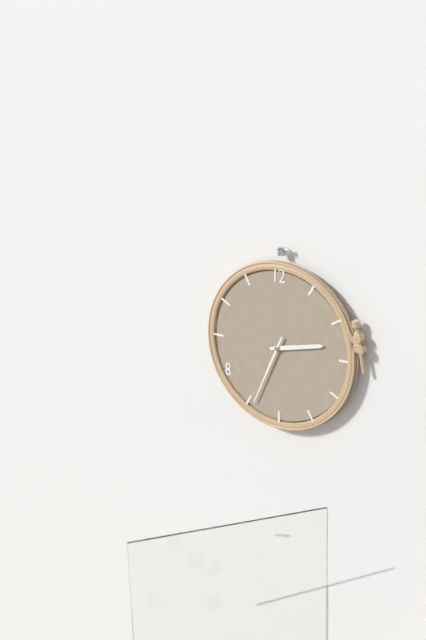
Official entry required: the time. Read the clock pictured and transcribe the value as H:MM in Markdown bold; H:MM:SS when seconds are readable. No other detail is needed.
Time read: **2:34**
